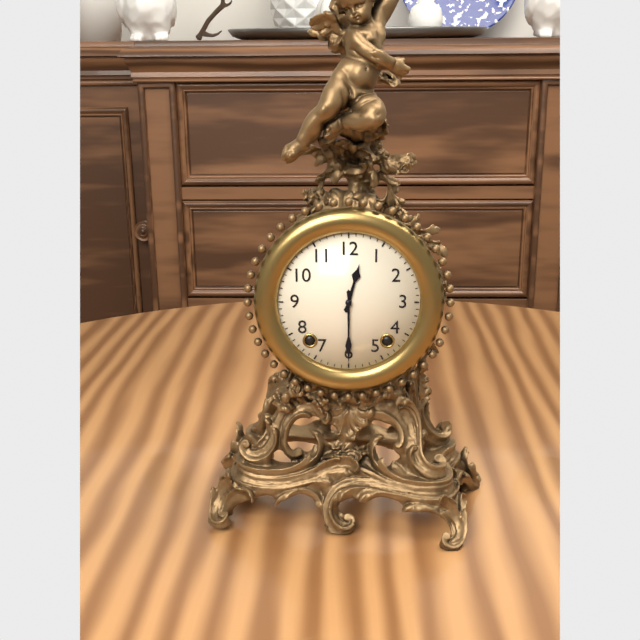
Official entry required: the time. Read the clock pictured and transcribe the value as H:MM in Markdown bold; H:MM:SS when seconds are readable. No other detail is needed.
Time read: **12:30**
